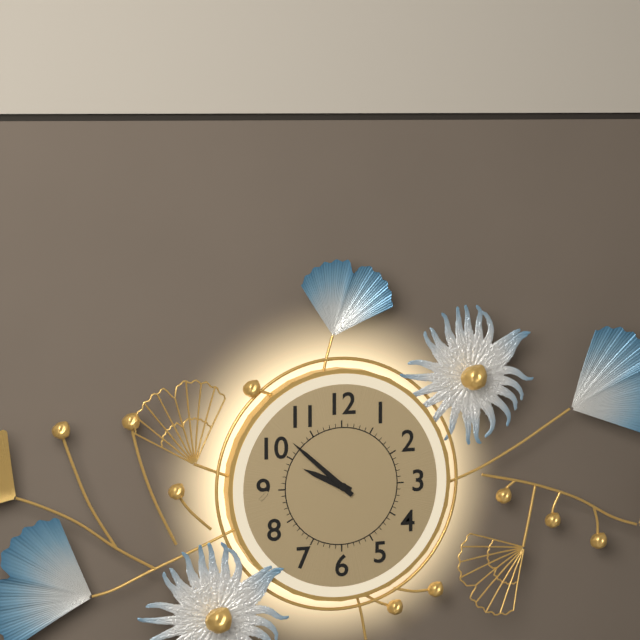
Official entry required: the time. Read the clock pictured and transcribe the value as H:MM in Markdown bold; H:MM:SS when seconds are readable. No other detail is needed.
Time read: **9:52**
